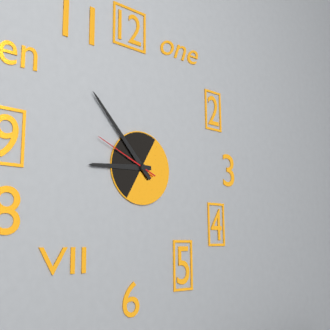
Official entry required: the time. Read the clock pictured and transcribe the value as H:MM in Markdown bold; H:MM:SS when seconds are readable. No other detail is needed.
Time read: **8:53:49**
